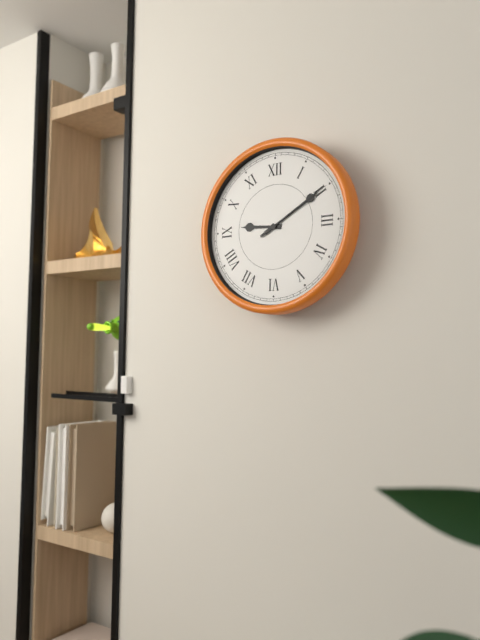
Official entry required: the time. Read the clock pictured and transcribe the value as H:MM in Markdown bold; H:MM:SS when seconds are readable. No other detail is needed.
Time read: **9:10:10**
